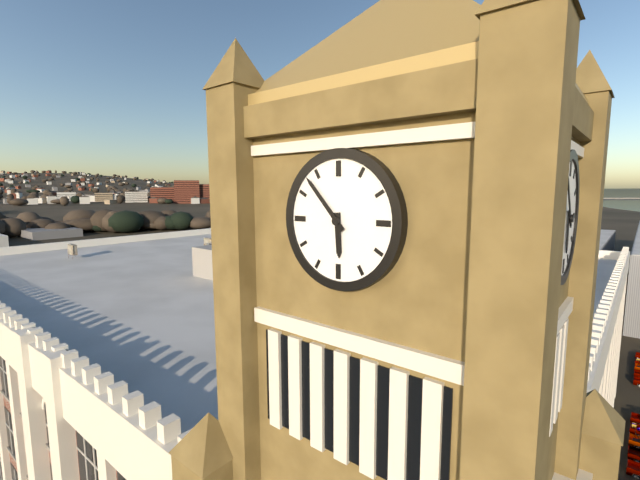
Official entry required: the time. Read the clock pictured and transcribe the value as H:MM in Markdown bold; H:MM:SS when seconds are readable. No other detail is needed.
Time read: **5:53**
